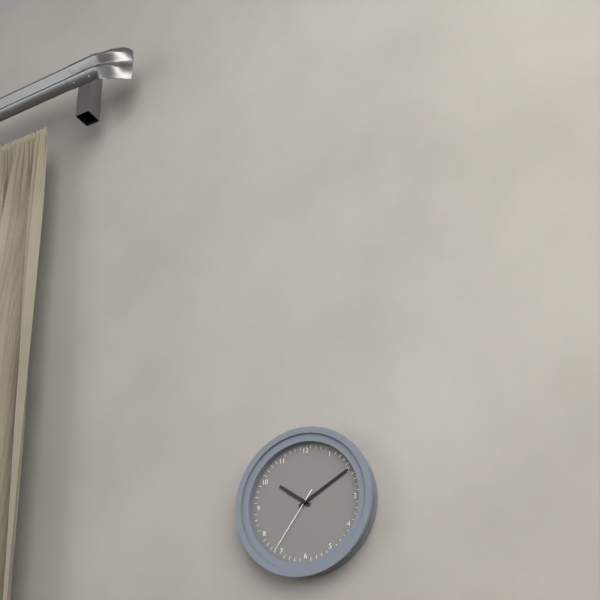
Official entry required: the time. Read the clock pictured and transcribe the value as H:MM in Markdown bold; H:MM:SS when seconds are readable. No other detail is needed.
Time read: **10:10:36**
